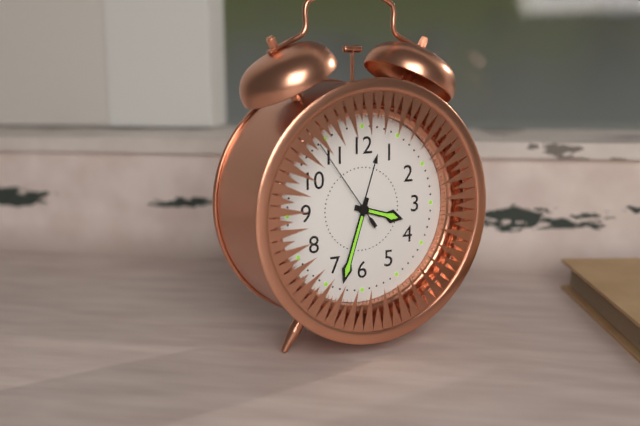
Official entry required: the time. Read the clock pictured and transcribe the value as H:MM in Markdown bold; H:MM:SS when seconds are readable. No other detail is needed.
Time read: **3:33:54**
